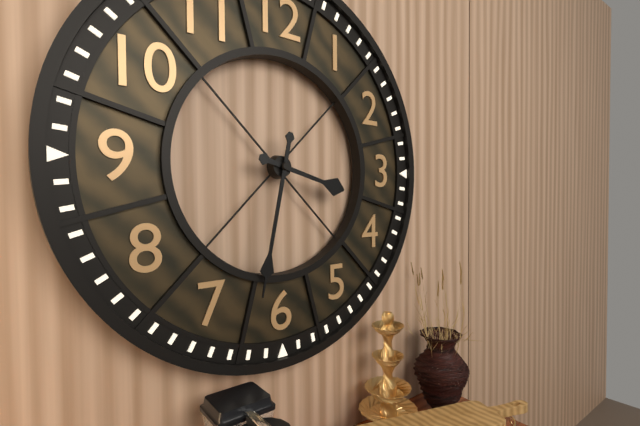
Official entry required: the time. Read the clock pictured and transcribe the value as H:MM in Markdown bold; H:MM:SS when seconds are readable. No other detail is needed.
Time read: **3:32**
